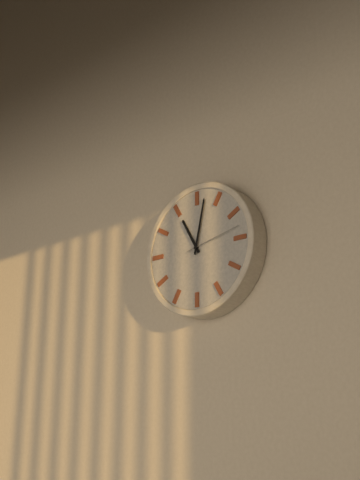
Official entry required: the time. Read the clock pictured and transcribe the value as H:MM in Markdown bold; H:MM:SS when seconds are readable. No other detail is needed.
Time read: **11:02:13**
